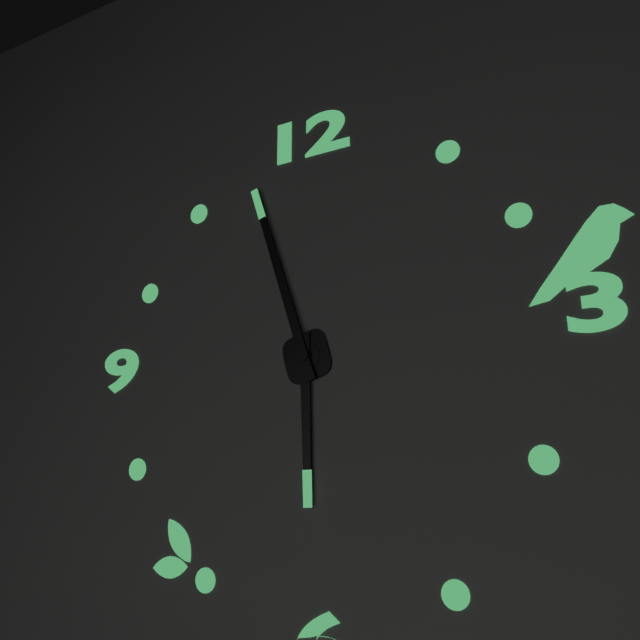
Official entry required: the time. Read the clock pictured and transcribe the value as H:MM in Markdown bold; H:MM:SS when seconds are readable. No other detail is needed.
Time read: **5:57**
